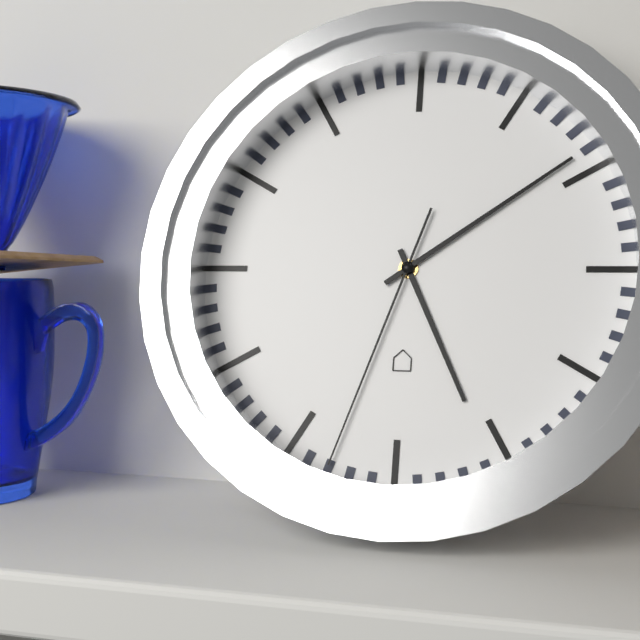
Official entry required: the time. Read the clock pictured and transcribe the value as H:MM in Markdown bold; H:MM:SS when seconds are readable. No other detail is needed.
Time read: **5:09:33**
